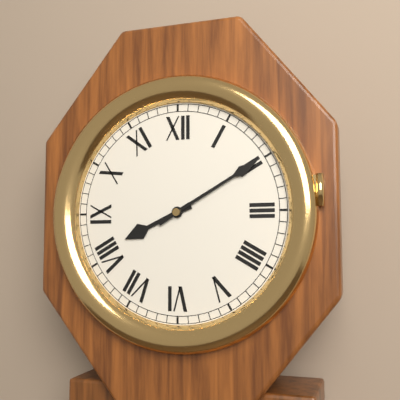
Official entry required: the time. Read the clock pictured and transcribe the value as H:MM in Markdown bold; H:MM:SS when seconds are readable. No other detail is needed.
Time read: **8:10**
